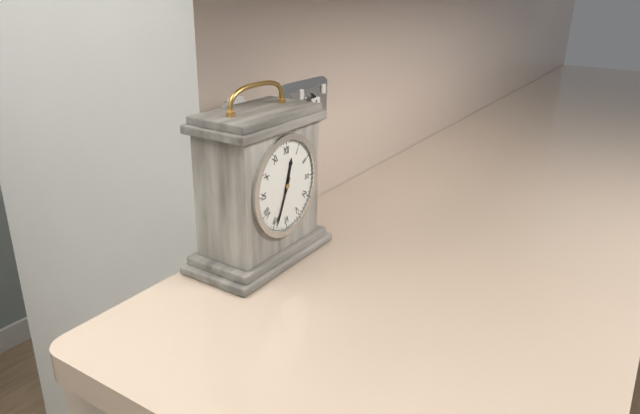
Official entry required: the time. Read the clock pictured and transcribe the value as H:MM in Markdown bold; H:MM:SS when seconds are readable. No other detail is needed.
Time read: **12:34**
